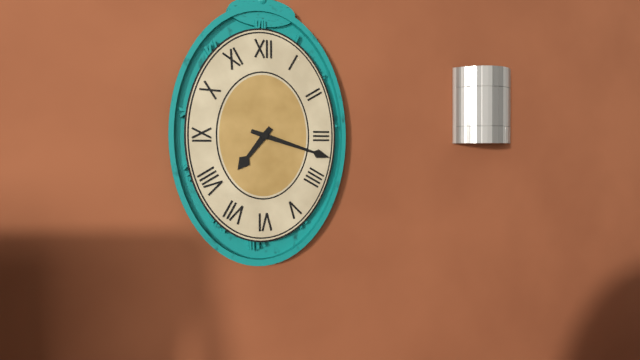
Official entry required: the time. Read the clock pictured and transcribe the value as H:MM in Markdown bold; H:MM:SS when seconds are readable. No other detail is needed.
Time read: **7:18**
